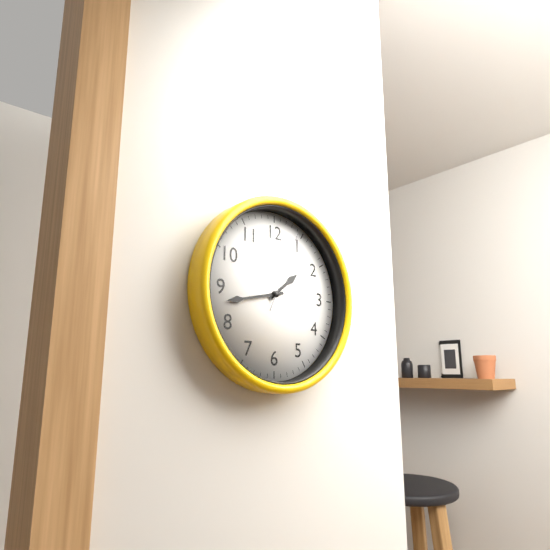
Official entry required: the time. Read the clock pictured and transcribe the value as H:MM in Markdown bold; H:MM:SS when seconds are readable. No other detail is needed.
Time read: **1:43:04**
